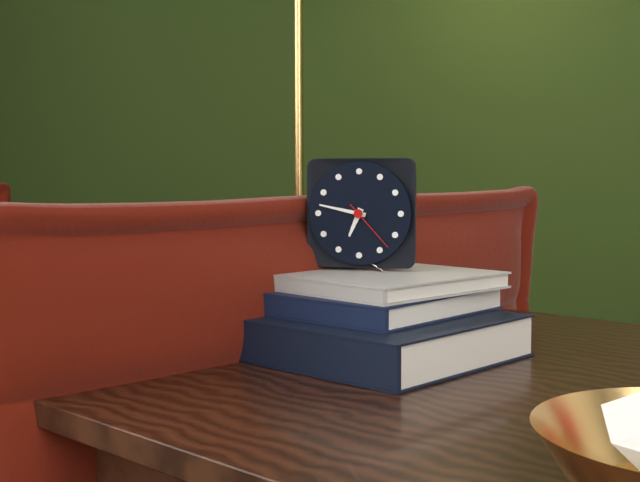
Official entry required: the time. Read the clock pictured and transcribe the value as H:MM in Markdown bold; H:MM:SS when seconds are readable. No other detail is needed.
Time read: **6:47:23**
